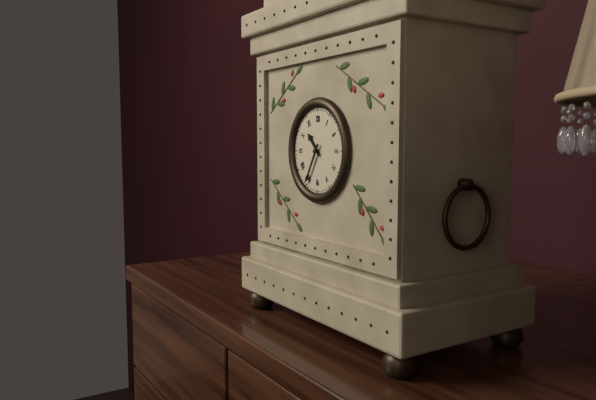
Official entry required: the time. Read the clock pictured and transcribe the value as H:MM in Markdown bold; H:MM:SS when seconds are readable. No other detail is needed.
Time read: **10:35**
